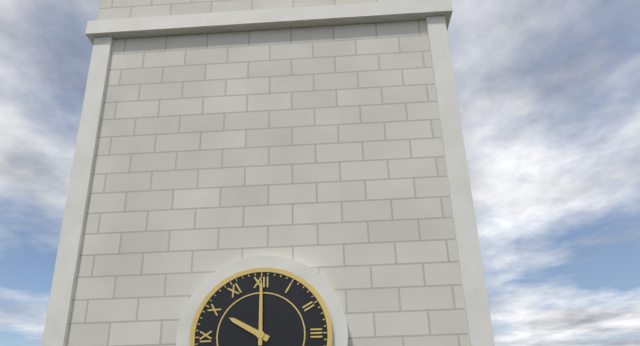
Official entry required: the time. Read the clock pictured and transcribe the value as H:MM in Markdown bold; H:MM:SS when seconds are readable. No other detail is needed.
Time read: **10:00**
